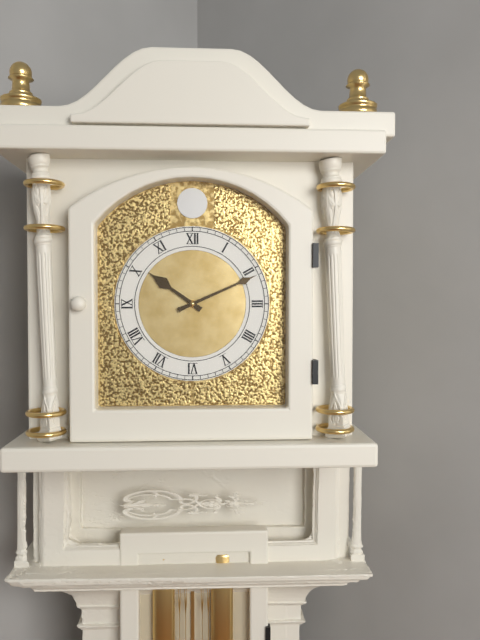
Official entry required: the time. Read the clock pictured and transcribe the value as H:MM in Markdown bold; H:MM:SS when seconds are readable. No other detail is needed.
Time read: **10:11**
